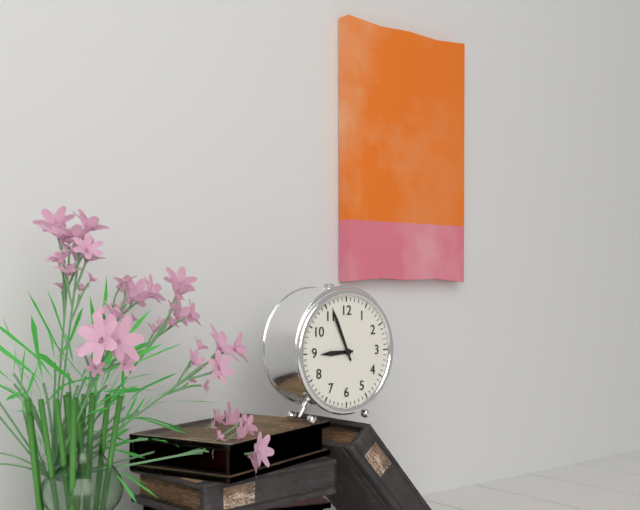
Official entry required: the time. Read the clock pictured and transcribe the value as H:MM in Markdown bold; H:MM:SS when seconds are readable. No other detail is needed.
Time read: **8:56**
